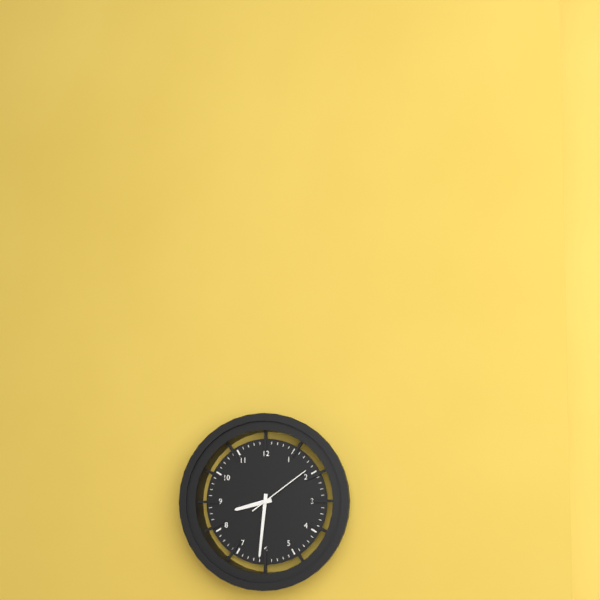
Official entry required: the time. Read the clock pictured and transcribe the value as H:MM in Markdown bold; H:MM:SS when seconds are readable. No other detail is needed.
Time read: **8:31:09**
